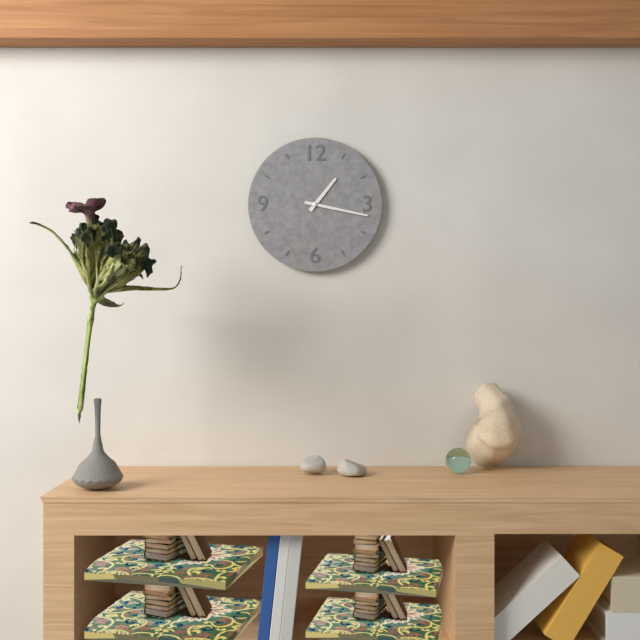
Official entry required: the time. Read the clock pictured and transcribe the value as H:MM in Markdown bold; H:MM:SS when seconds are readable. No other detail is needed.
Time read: **1:17**
